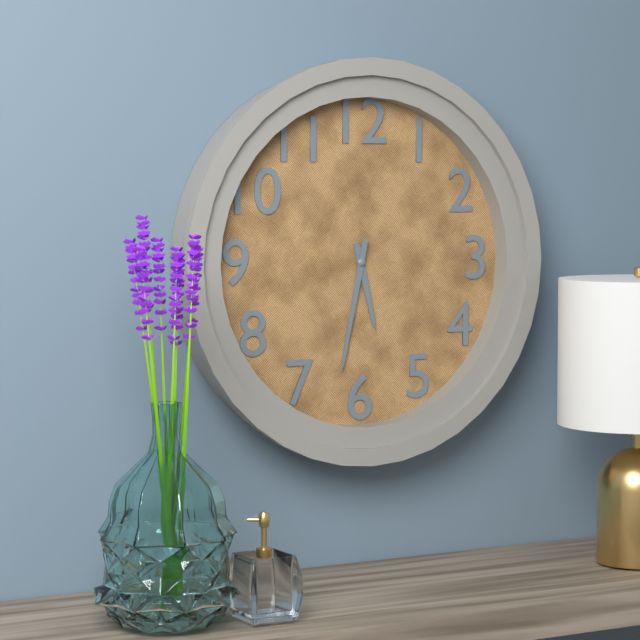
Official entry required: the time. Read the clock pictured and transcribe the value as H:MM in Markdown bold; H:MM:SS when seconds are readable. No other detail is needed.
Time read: **5:32**
